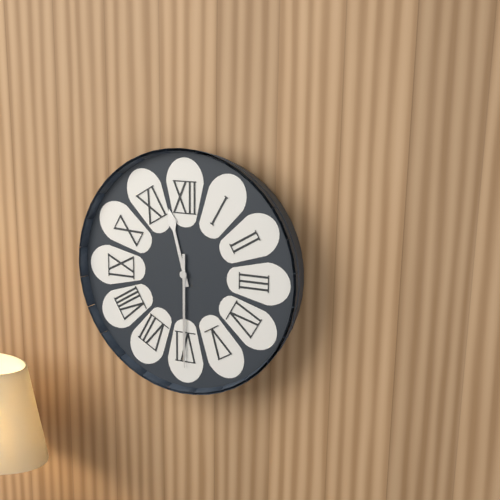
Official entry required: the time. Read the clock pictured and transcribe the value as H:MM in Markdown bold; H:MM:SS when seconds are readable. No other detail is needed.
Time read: **11:30**
